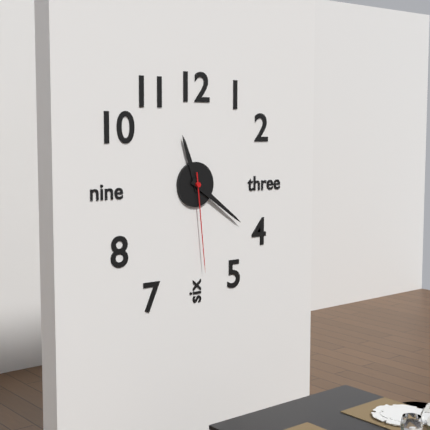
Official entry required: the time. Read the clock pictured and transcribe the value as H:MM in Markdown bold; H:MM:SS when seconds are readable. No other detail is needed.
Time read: **11:21:29**
